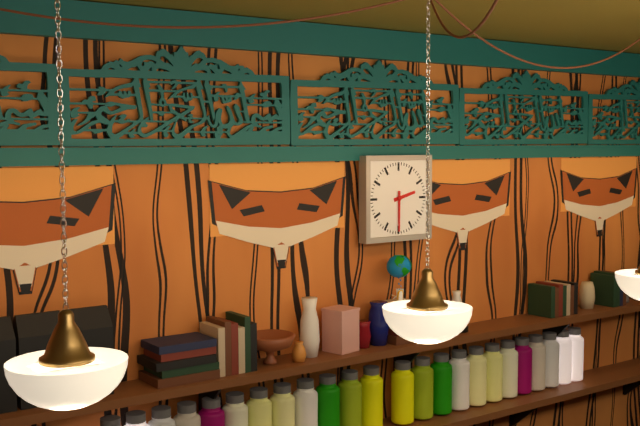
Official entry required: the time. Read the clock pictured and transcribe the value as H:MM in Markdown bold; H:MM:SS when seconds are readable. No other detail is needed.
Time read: **2:30**
